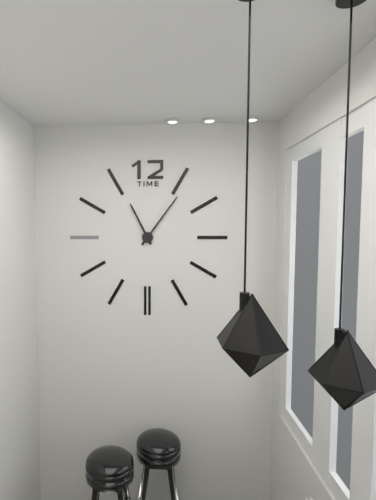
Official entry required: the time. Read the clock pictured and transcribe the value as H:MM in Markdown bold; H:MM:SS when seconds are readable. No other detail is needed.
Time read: **11:06**
